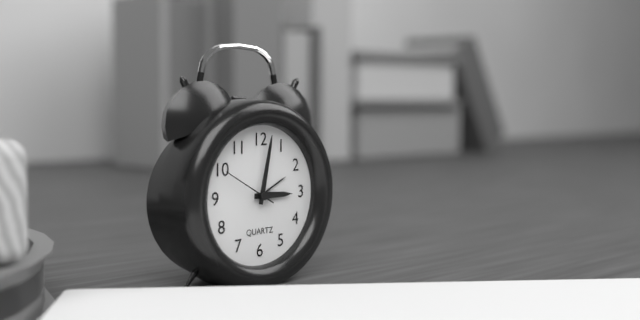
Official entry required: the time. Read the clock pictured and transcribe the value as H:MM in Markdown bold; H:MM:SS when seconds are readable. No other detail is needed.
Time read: **3:02:50**
